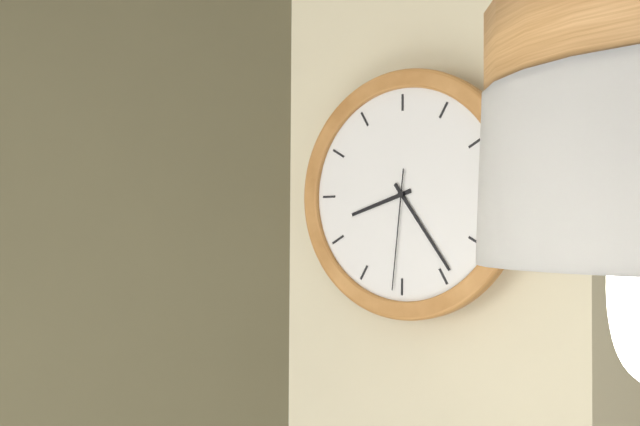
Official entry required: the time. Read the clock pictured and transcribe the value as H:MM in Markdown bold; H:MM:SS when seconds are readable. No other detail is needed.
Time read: **8:24:31**
